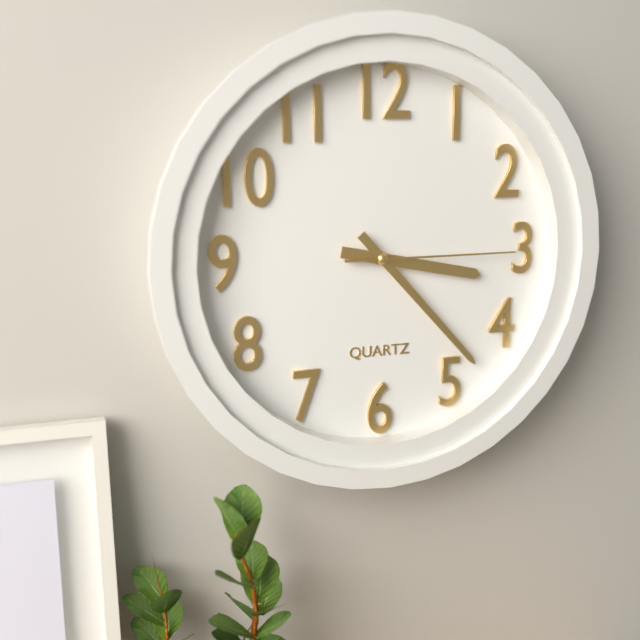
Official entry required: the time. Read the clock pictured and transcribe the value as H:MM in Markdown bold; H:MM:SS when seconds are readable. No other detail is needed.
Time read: **3:23:15**
